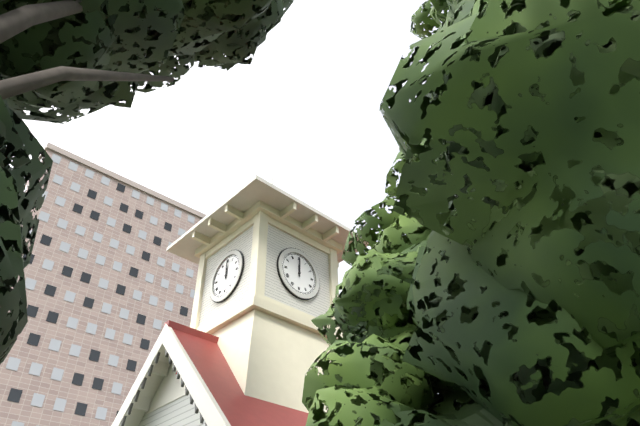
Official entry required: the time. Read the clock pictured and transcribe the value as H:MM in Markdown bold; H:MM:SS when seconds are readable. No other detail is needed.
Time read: **12:00**
